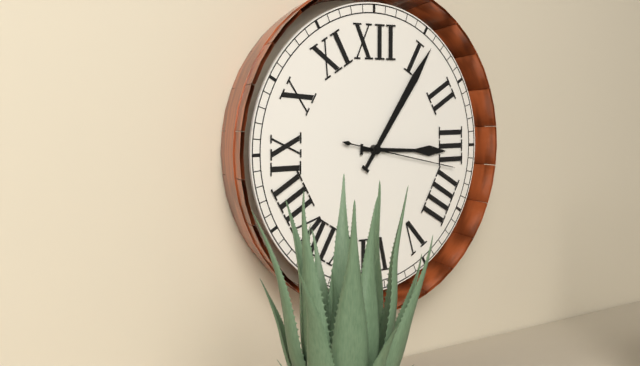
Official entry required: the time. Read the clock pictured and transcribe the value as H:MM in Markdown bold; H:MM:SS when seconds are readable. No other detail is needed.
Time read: **3:06:17**
